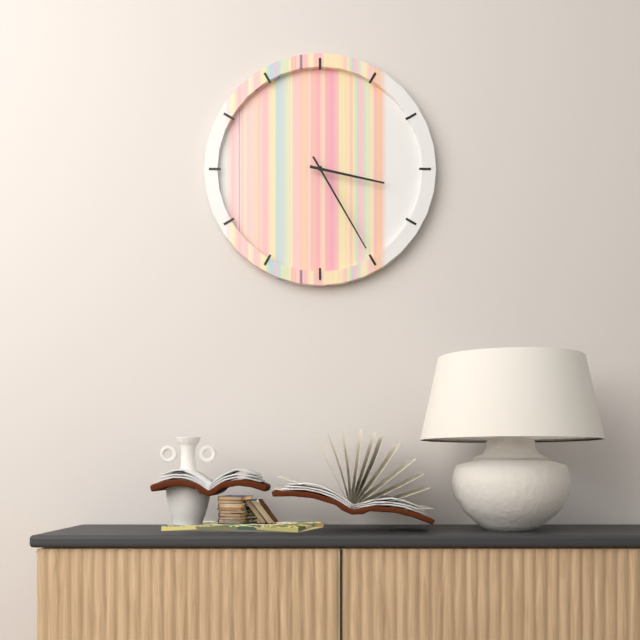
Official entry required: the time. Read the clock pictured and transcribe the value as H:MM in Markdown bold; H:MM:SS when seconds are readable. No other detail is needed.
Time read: **3:25**
